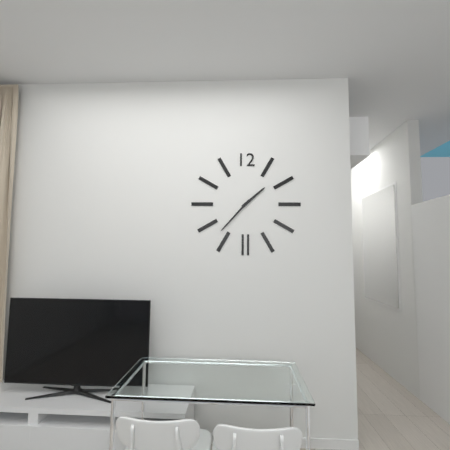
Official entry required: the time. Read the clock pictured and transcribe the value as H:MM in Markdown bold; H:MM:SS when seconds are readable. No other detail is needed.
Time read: **1:37**
